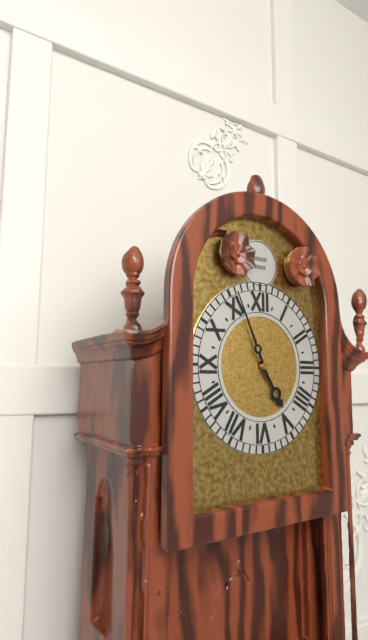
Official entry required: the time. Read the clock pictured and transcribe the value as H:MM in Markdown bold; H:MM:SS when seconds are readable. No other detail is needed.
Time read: **4:56**
